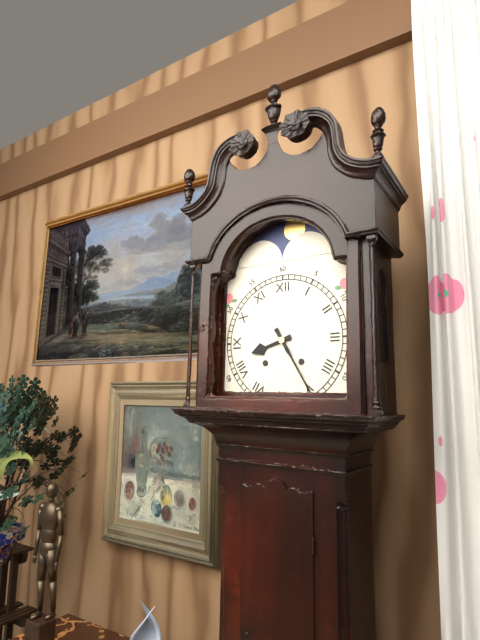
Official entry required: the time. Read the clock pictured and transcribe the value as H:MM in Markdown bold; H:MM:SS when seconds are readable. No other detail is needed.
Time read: **8:25**
